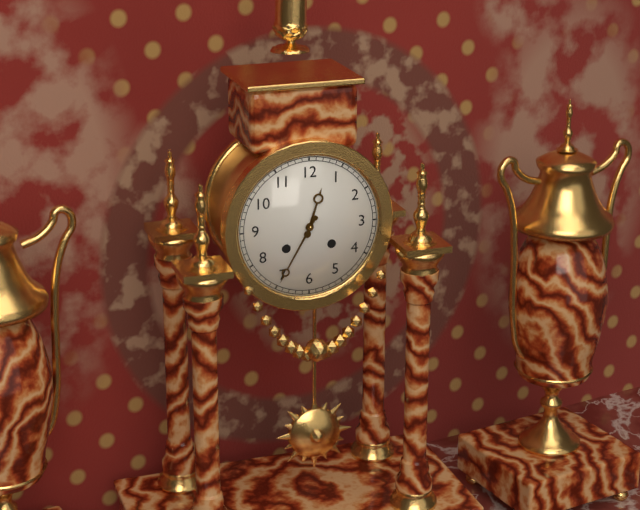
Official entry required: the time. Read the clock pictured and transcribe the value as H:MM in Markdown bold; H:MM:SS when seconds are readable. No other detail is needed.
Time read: **12:35**
